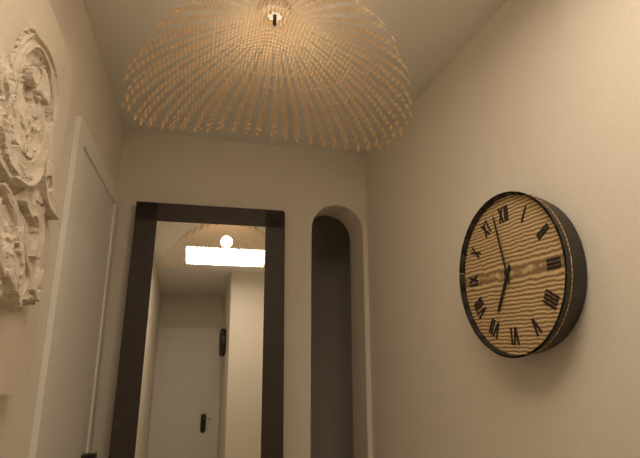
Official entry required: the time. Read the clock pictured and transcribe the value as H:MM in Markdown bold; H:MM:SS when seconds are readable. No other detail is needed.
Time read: **6:58**
